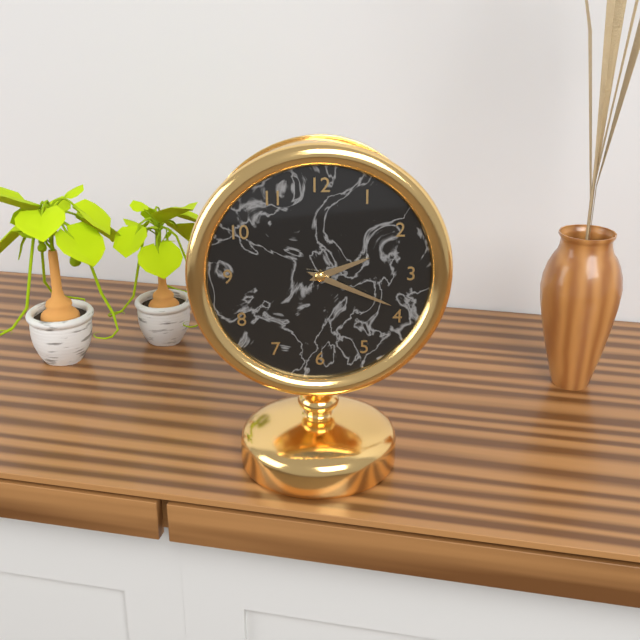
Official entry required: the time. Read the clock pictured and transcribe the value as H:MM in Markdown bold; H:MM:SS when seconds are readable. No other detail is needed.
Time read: **2:19**
